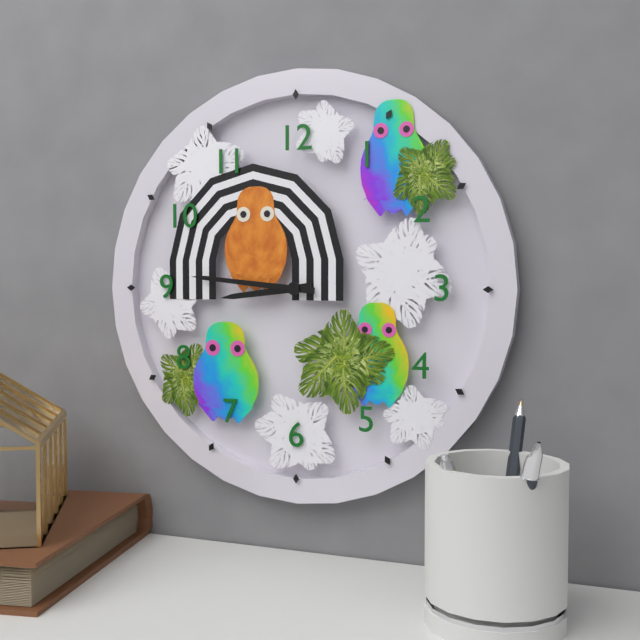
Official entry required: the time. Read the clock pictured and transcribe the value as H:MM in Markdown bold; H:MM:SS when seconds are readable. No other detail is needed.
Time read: **8:46**
